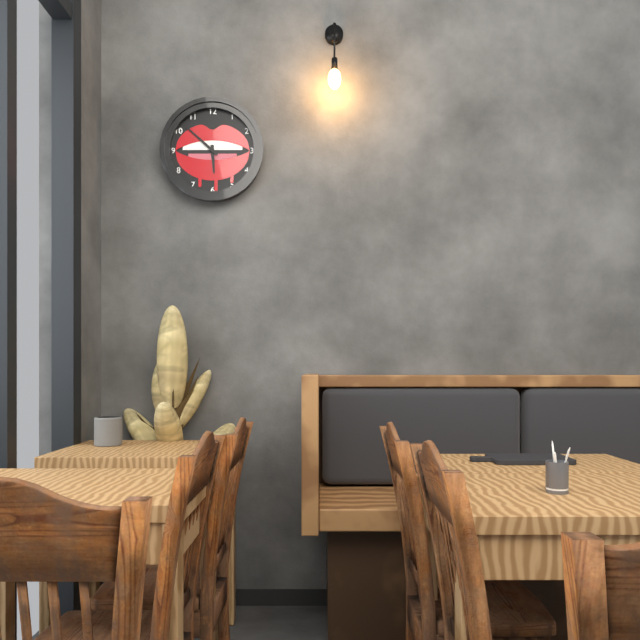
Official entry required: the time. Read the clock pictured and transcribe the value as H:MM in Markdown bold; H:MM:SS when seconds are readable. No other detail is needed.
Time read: **5:52**
